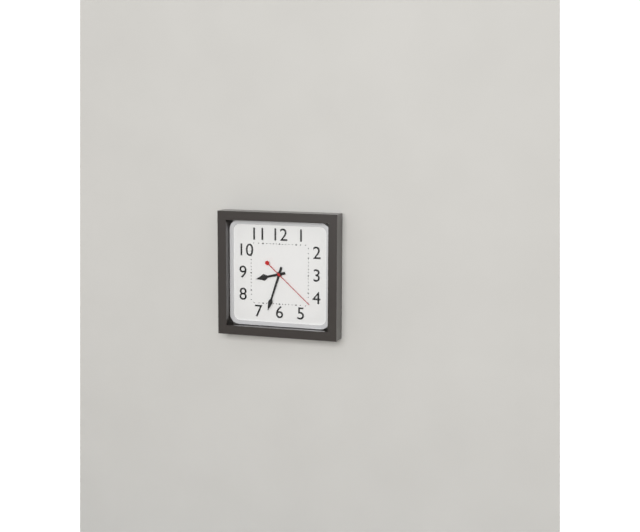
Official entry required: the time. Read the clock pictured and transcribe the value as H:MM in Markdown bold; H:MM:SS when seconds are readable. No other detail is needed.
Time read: **8:33:22**
